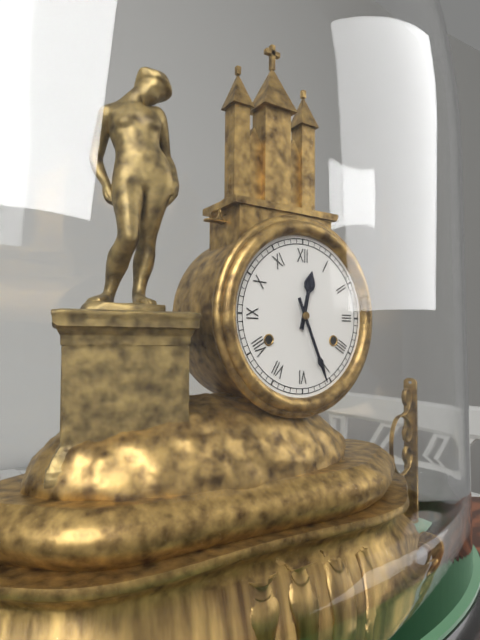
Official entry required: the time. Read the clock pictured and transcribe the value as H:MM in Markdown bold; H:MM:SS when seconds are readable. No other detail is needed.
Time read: **12:26**
